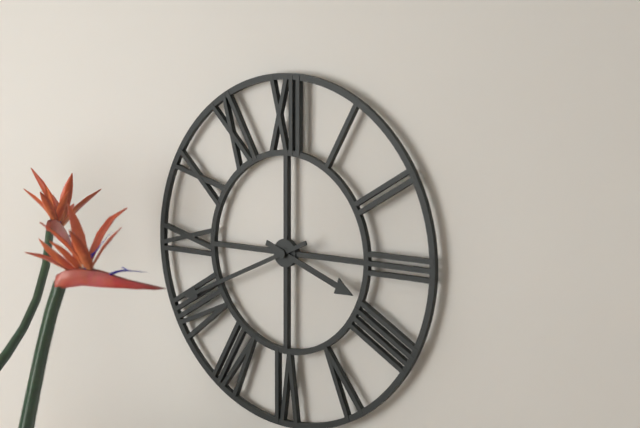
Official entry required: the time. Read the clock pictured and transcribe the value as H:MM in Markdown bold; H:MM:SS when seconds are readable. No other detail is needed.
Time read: **3:41**
